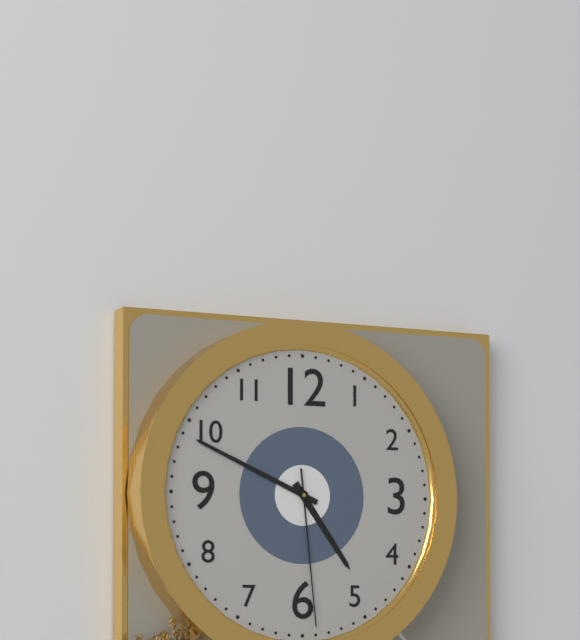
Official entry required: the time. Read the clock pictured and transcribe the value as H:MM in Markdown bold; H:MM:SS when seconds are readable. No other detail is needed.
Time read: **4:49:29**
